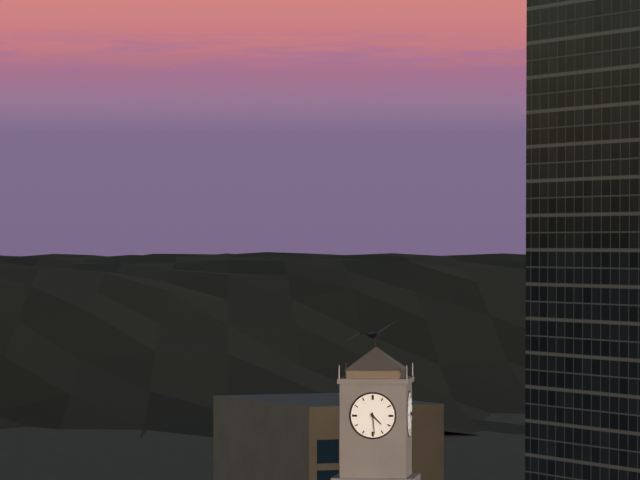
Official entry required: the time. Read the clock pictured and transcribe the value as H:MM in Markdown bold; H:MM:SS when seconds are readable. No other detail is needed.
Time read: **4:29**
